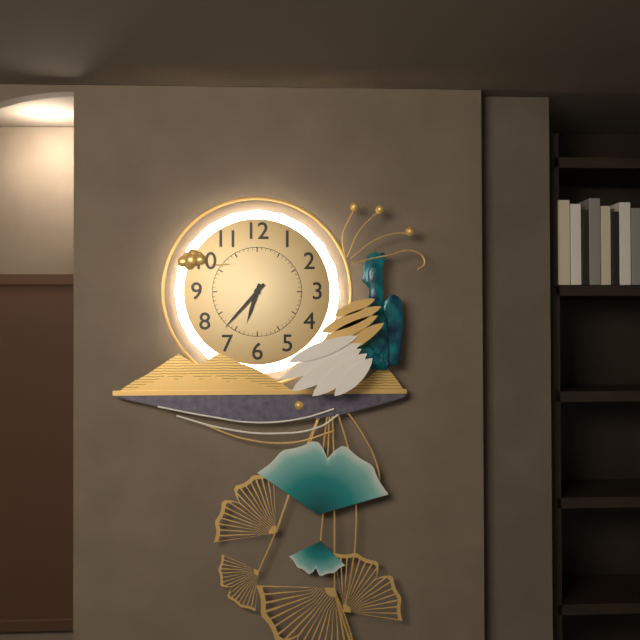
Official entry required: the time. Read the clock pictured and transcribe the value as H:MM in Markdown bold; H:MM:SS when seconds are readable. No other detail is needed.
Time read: **6:37**
